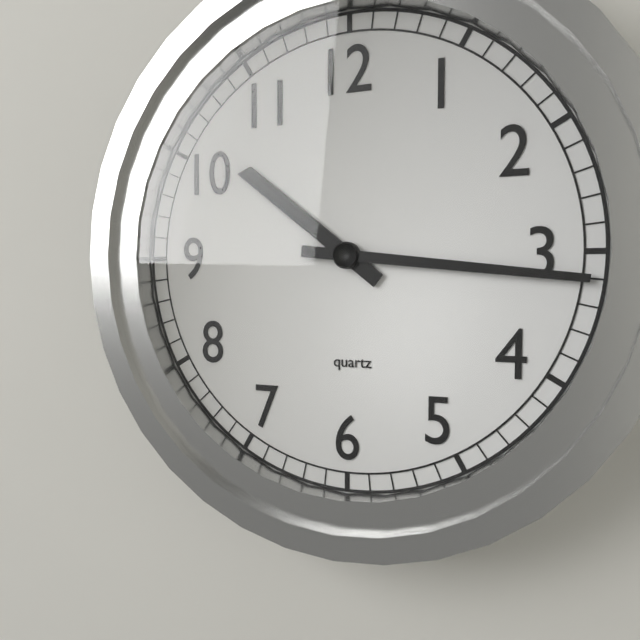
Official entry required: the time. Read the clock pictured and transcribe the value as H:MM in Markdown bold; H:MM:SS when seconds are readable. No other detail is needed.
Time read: **10:16**
